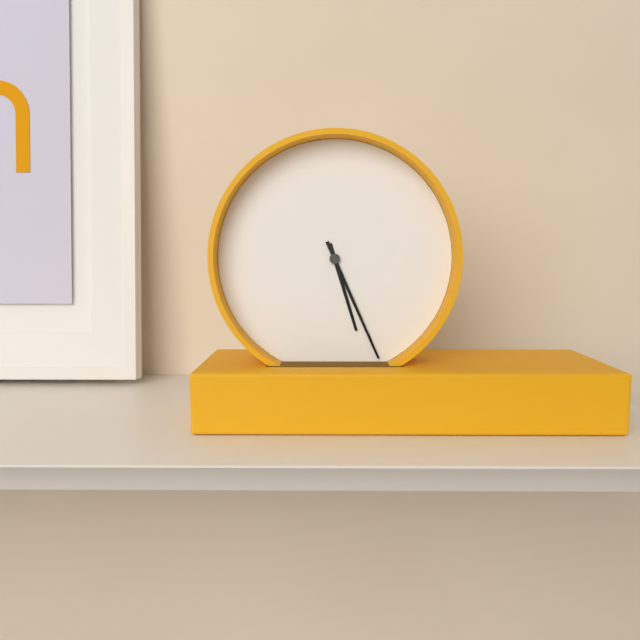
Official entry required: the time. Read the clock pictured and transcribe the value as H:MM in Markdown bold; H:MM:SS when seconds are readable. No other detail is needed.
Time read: **5:26**
